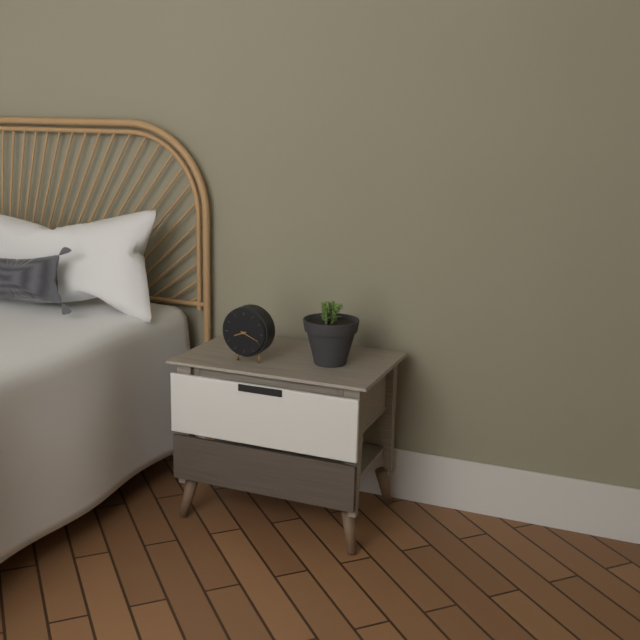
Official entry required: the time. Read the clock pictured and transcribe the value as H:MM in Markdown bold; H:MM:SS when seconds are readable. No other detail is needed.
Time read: **8:19**
